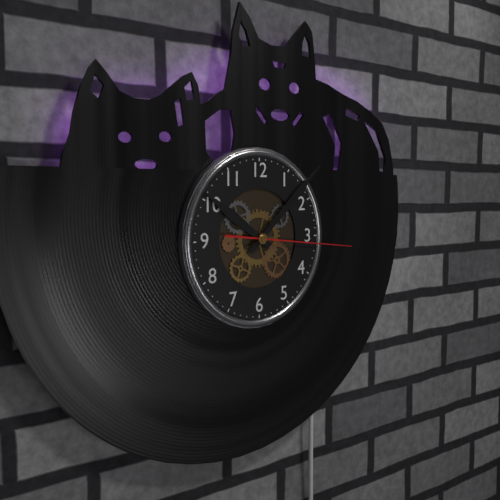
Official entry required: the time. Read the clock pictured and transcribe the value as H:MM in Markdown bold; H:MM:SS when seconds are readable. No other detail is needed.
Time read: **10:08:16**
